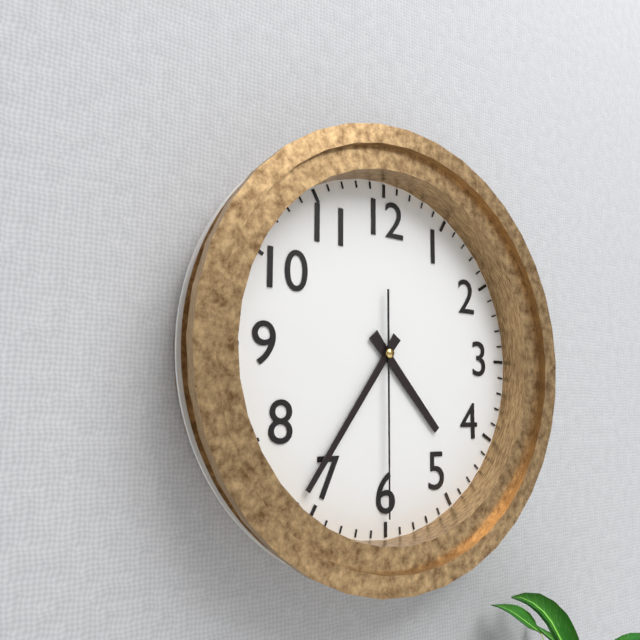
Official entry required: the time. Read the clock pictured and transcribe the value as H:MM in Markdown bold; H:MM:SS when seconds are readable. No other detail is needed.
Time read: **4:36:30**
